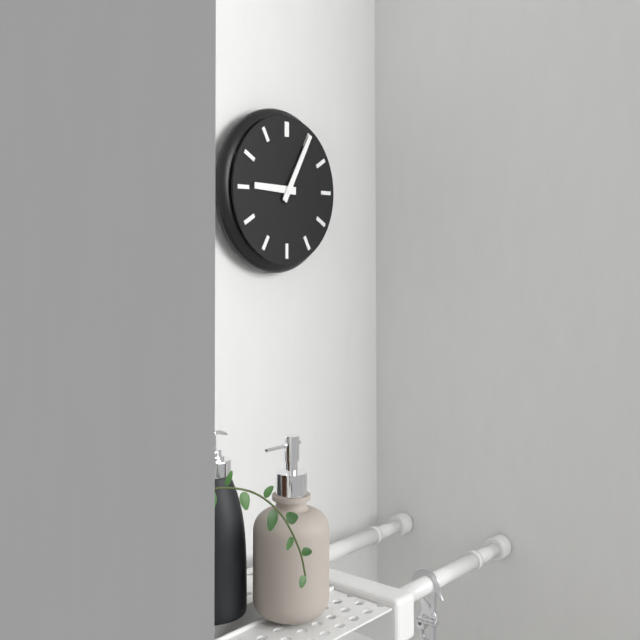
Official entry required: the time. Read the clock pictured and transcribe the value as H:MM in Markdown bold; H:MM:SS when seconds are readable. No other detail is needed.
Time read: **9:05**
